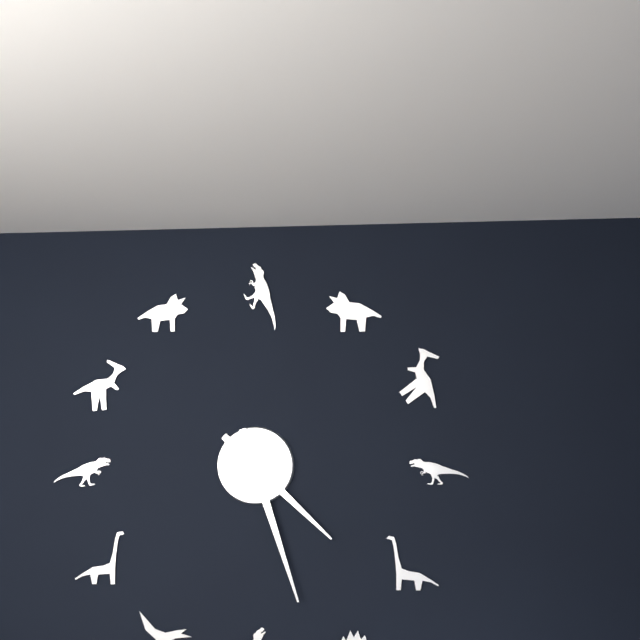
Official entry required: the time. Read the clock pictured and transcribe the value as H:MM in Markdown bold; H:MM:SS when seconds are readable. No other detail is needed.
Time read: **4:27**
